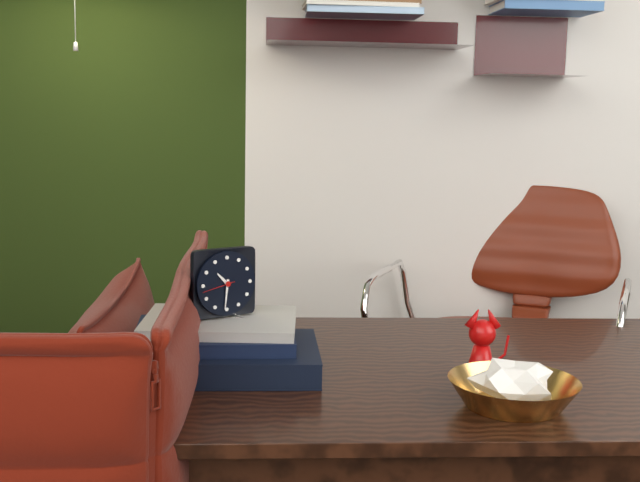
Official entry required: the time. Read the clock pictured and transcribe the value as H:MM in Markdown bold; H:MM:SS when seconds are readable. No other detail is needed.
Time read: **10:31**
